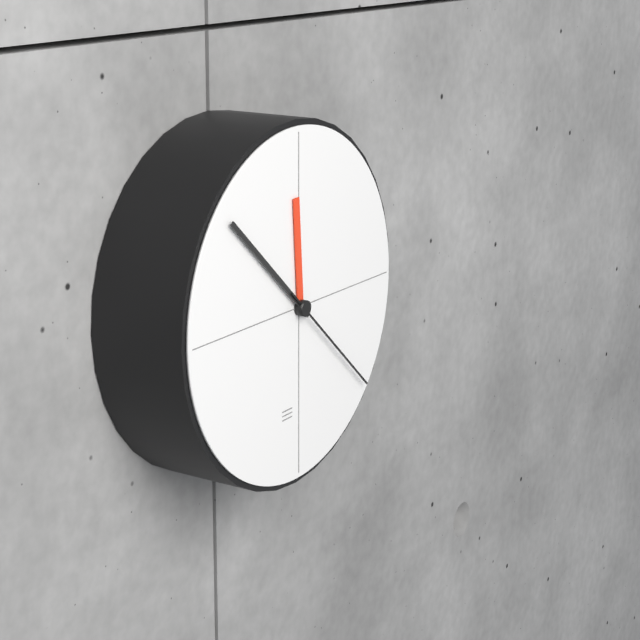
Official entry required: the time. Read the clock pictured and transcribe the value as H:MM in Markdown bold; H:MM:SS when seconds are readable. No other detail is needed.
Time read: **11:52:22**
